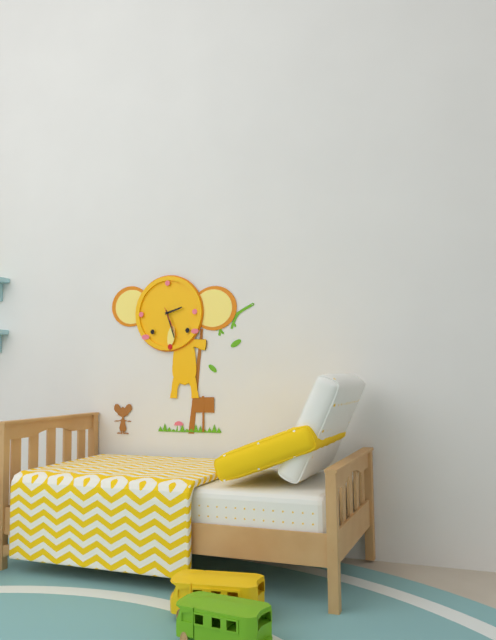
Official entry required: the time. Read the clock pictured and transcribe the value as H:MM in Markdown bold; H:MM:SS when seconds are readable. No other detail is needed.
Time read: **2:27**
